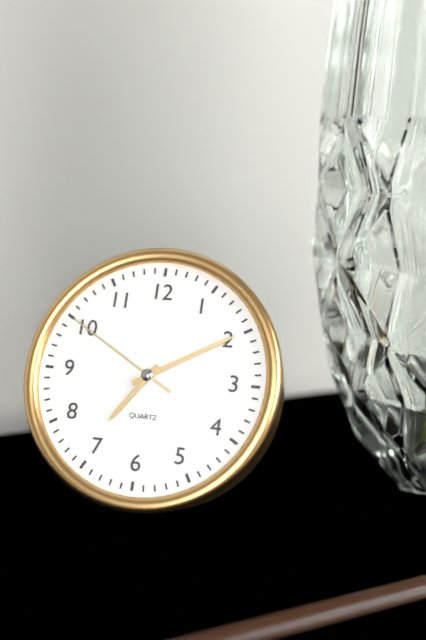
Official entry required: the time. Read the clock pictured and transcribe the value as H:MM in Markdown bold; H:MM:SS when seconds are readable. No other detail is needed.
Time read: **7:10:50**
